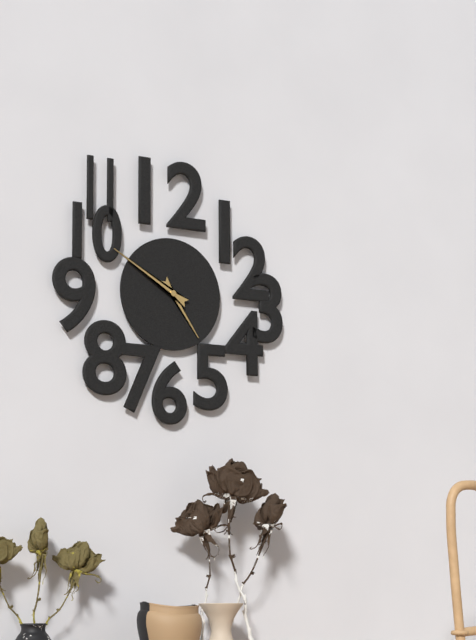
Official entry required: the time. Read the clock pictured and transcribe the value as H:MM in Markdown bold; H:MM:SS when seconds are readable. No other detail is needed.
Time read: **4:50**
